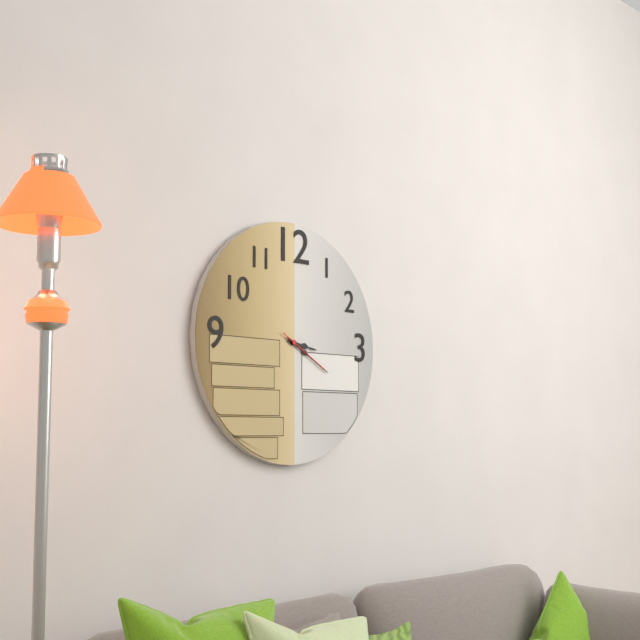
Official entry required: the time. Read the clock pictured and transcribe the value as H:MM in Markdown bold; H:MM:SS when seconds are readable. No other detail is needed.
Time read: **3:20:20**
